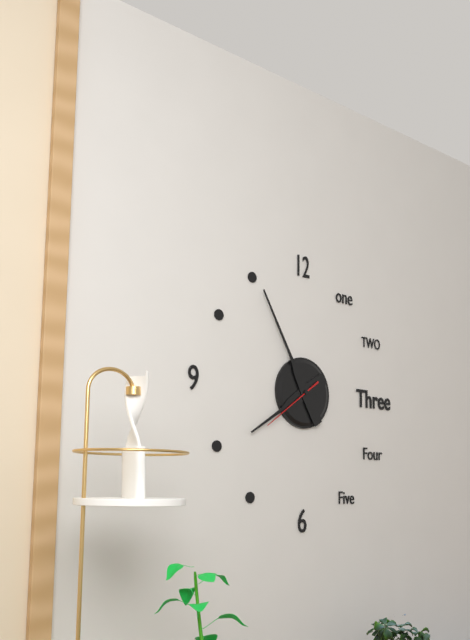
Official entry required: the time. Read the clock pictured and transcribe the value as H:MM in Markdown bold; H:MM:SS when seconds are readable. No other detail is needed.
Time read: **7:55:39**
